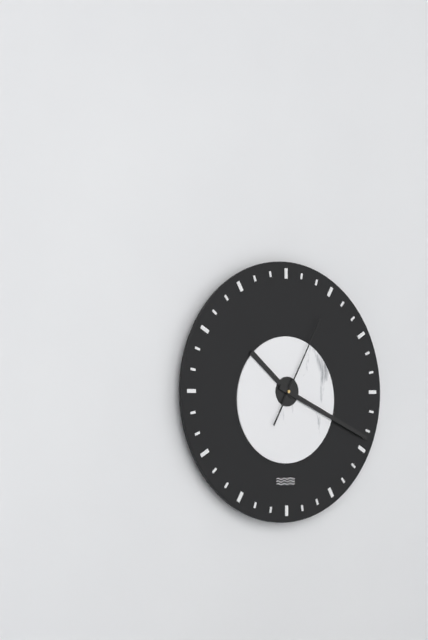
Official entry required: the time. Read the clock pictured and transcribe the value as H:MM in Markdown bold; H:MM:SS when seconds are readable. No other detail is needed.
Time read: **10:19:05**
